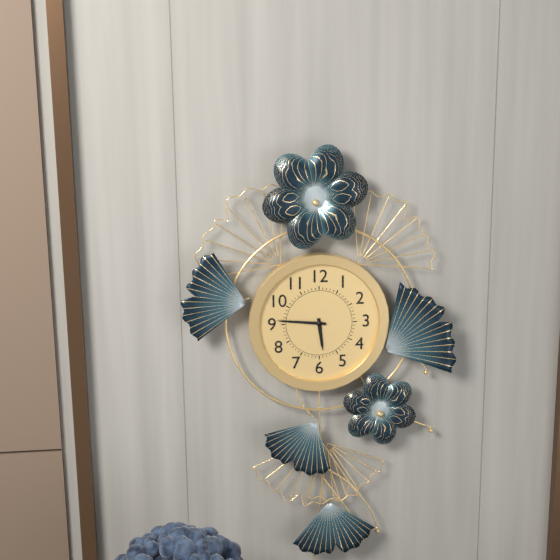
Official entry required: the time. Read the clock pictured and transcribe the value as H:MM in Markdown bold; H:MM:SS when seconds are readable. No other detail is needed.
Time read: **5:46**
